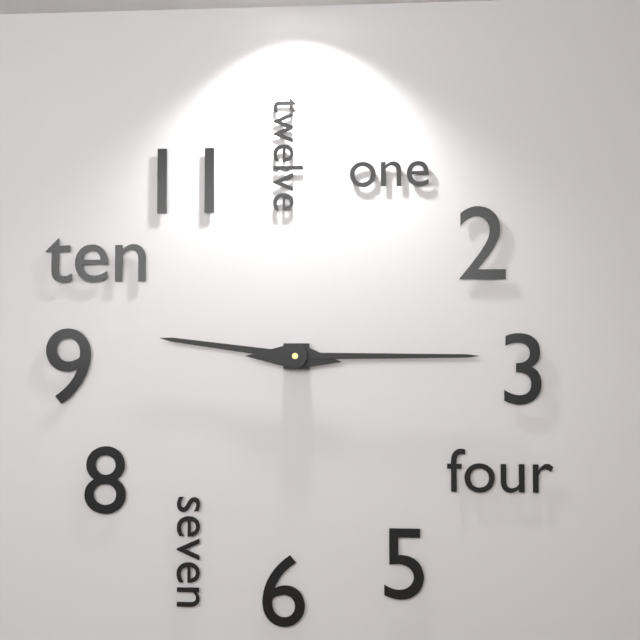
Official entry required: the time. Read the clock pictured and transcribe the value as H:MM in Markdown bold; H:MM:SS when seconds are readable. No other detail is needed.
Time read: **9:15**
